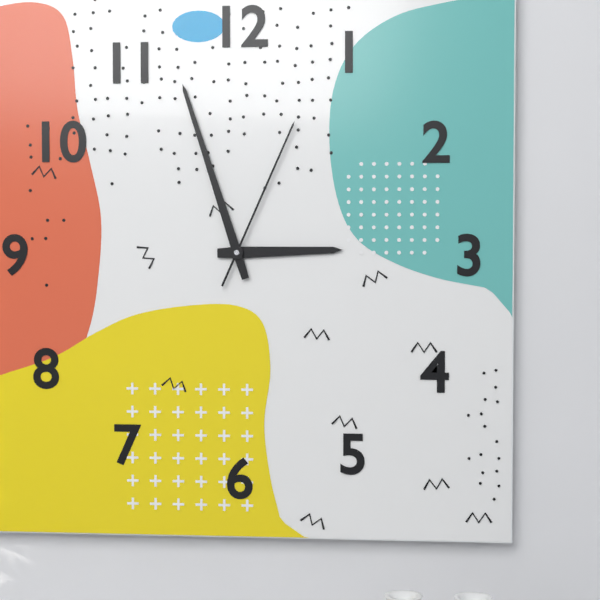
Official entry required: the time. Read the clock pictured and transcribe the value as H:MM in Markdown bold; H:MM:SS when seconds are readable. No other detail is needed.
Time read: **2:57:04**
